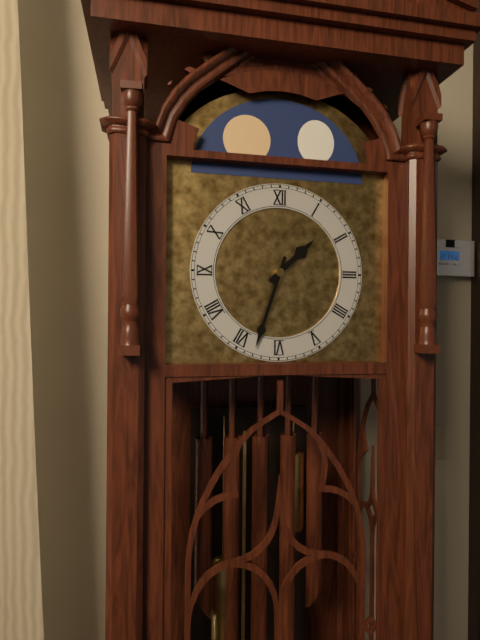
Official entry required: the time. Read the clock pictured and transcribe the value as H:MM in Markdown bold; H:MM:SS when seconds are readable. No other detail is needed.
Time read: **1:33**
